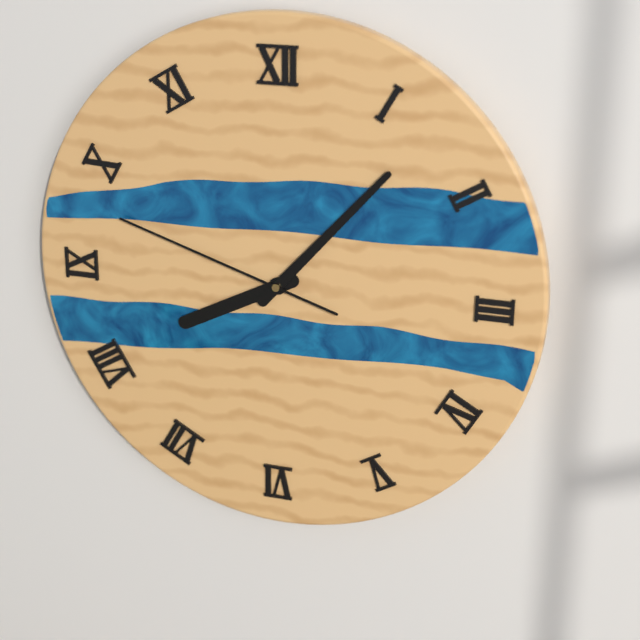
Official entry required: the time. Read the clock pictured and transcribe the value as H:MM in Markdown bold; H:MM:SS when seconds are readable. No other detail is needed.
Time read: **8:07:48**
